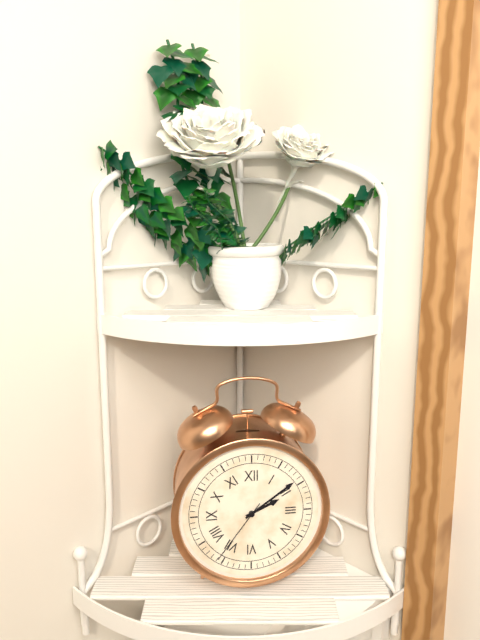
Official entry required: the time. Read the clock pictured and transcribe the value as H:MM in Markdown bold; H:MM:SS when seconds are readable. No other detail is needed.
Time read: **2:09:36**
